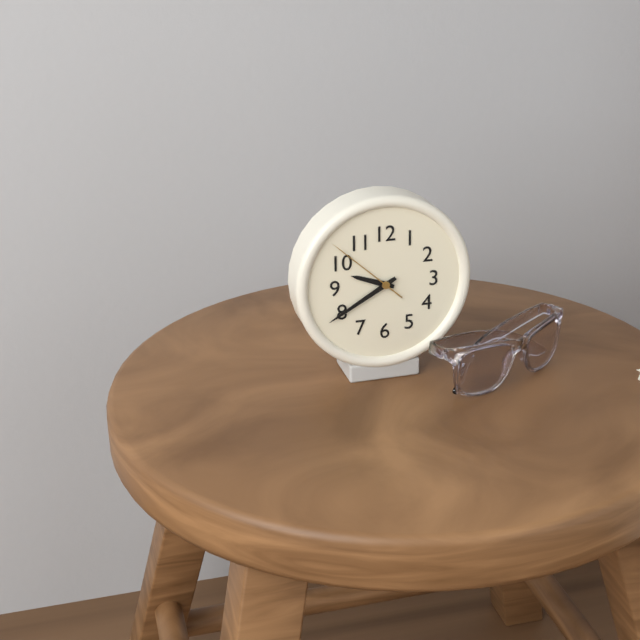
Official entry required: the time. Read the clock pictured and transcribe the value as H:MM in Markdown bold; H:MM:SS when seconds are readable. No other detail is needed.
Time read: **9:40:52**
